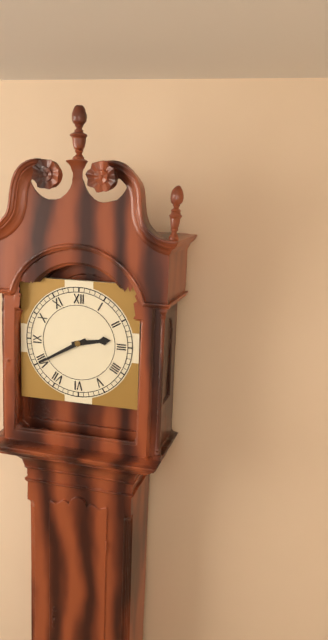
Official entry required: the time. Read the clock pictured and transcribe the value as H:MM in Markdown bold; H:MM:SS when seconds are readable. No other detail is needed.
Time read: **2:40**
